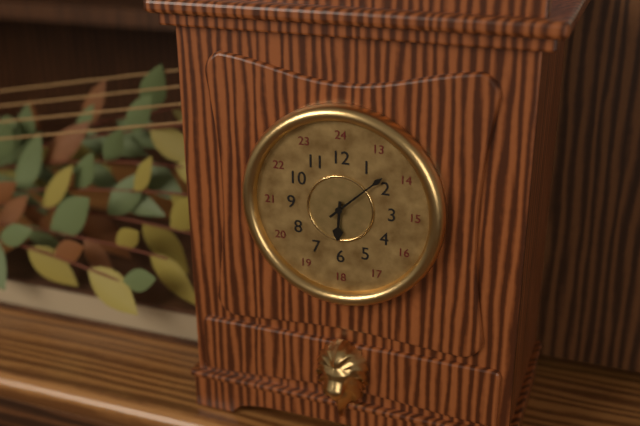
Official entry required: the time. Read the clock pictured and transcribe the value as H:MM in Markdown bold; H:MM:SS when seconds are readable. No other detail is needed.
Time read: **6:08**
